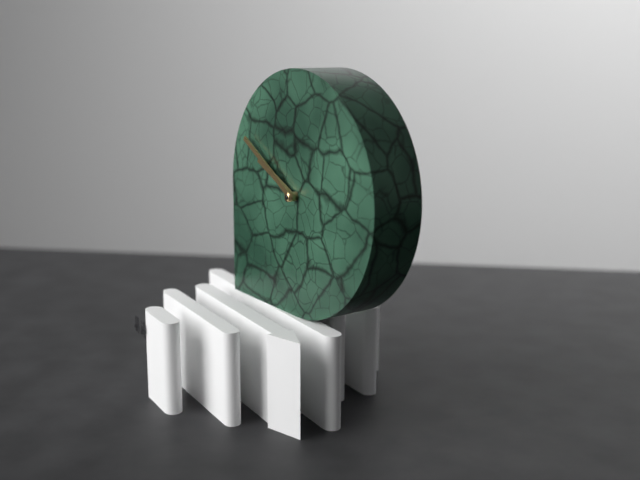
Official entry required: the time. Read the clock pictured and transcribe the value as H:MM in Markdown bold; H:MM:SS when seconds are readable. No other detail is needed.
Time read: **9:50**
